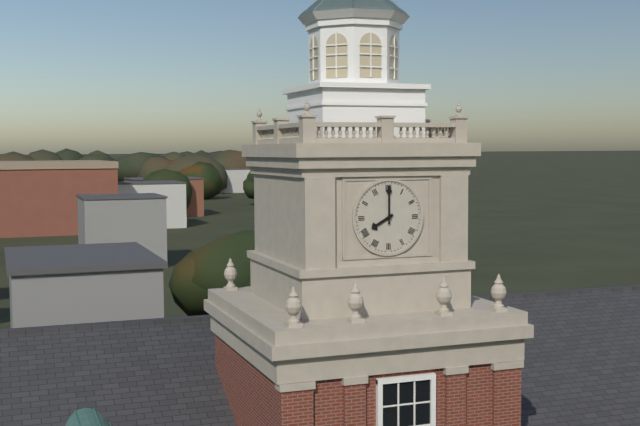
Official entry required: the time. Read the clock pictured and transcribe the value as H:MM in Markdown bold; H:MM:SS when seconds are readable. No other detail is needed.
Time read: **8:00**
